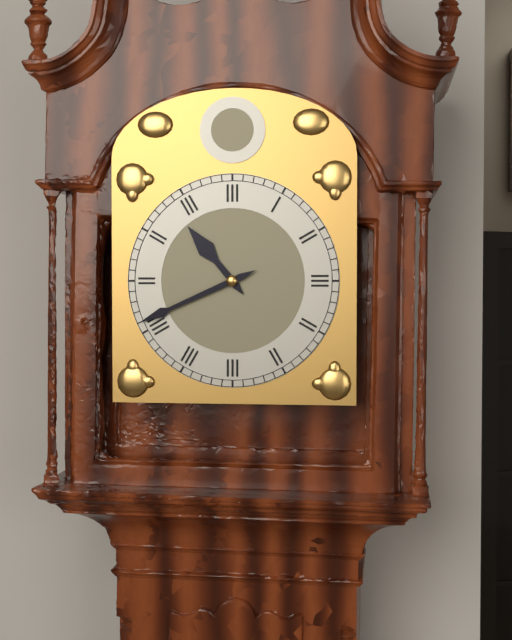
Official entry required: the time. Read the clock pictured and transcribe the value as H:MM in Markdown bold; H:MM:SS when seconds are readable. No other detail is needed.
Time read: **10:41**
